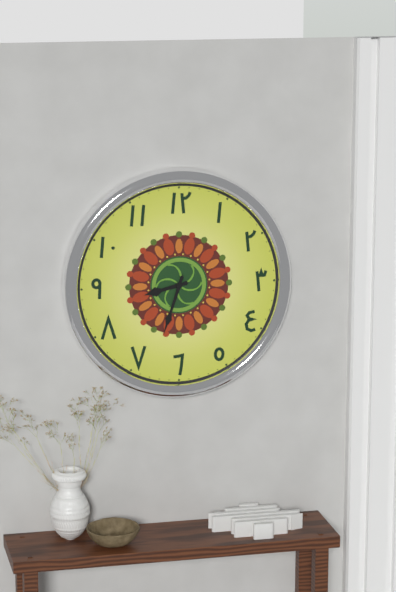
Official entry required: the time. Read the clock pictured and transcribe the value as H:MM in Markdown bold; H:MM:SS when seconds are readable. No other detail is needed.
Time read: **8:33**
